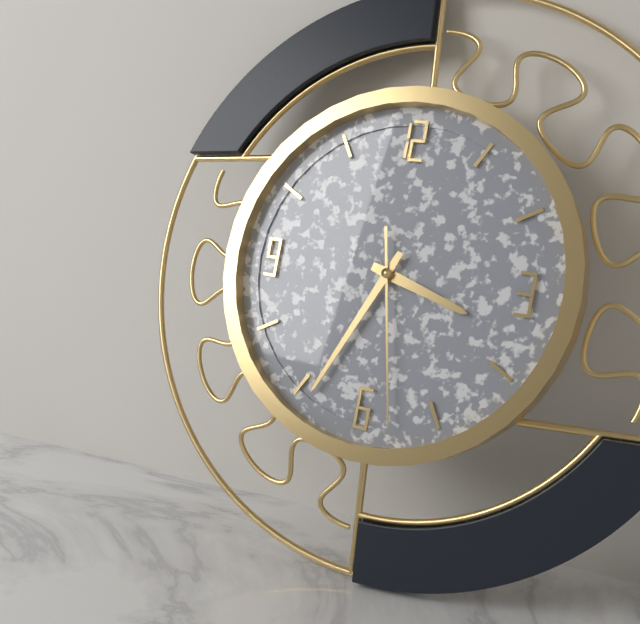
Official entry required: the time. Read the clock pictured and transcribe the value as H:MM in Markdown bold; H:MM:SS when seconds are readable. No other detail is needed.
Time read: **3:34:28**
